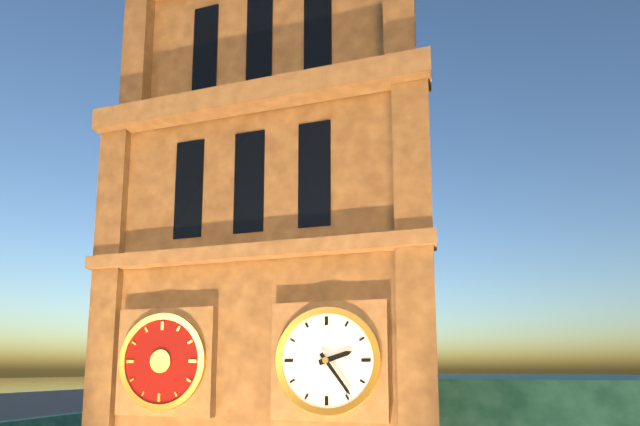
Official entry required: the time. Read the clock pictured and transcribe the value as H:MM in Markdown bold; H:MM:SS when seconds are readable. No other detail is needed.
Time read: **2:24**
